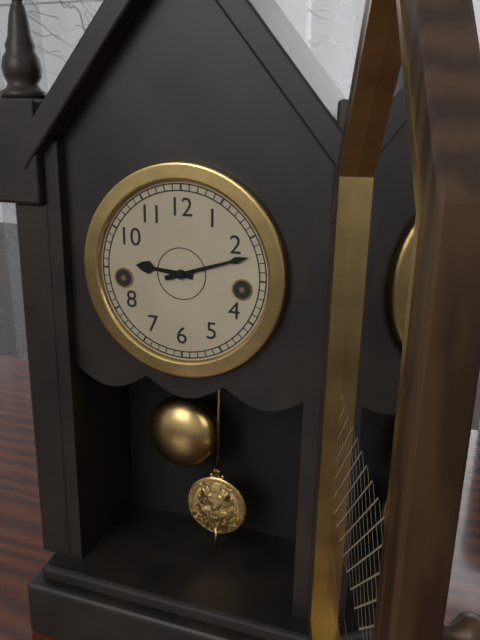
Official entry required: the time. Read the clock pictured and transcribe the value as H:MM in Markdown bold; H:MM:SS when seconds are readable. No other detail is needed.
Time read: **9:12**
